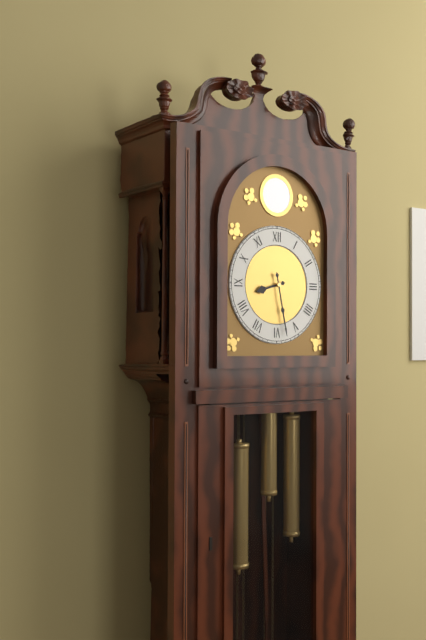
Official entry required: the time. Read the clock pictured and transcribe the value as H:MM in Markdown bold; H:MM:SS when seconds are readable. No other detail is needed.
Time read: **8:28**
